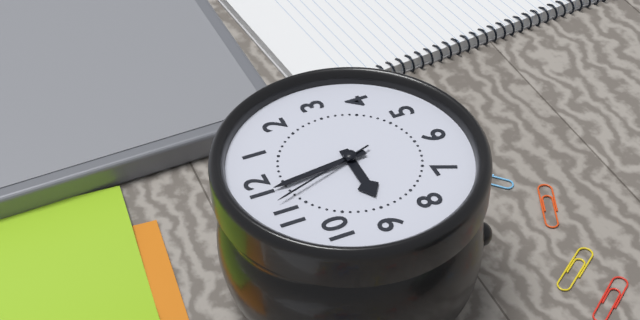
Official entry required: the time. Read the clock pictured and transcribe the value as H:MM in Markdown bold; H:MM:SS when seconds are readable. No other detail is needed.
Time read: **8:59:57**
